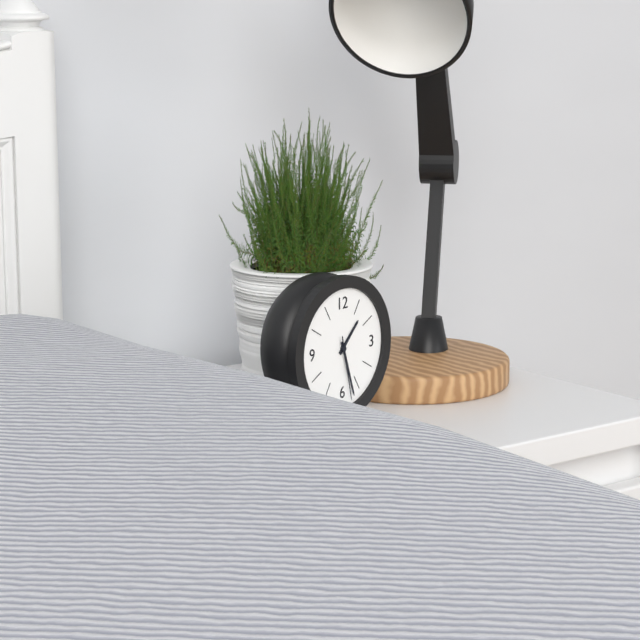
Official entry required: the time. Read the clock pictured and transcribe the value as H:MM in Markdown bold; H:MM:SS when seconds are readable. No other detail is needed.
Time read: **1:27:28**
